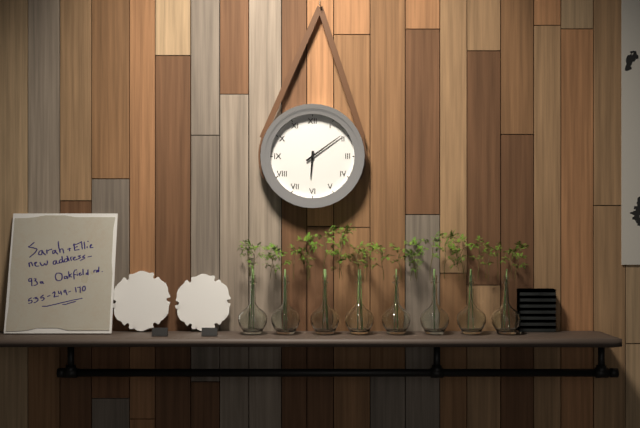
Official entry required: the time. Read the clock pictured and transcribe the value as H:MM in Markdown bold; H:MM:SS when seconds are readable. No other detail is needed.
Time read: **6:09**
